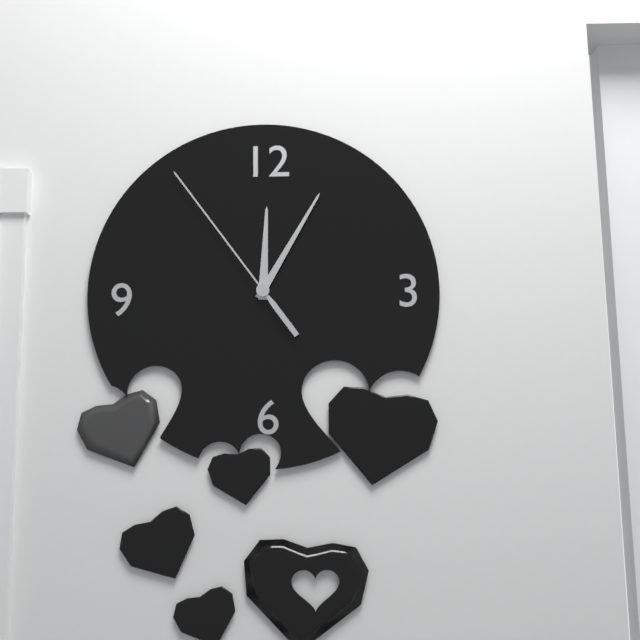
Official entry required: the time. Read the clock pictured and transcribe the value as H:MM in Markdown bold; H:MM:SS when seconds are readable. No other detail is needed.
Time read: **12:05:54**
